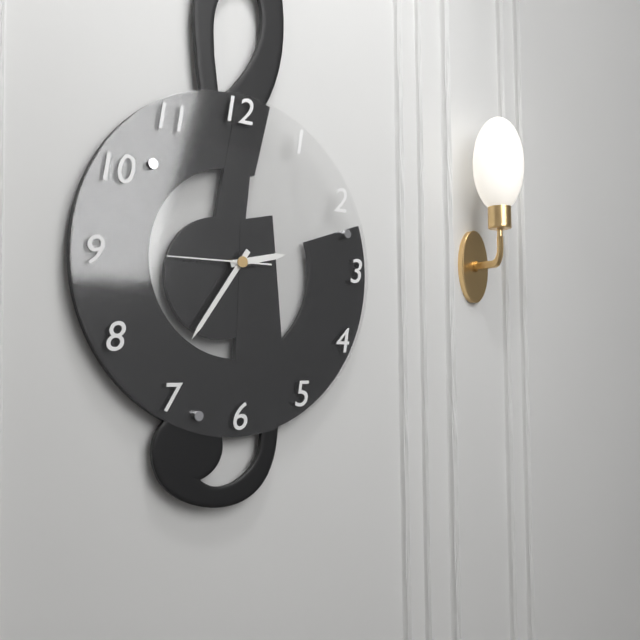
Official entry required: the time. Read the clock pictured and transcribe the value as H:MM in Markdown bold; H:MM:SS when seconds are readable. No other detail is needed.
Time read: **2:36:45**
